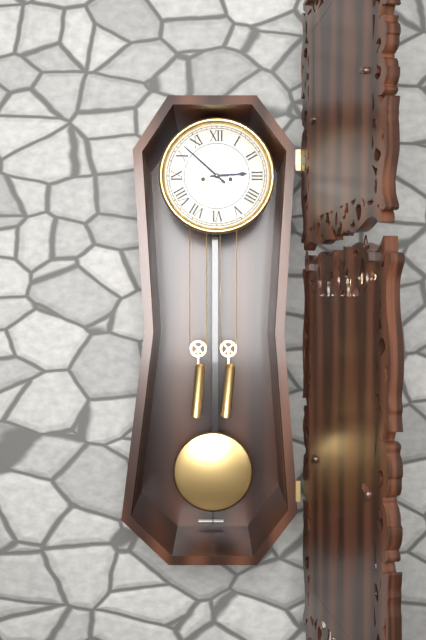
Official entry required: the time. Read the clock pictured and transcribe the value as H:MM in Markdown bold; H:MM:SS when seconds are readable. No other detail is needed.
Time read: **2:52**
